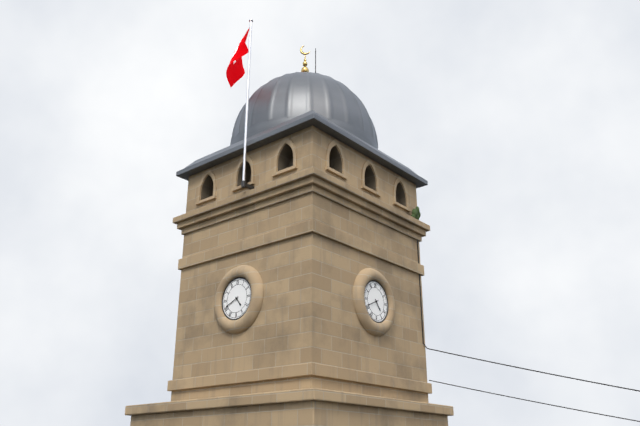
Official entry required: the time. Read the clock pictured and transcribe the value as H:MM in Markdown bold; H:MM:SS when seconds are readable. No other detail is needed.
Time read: **4:41**
